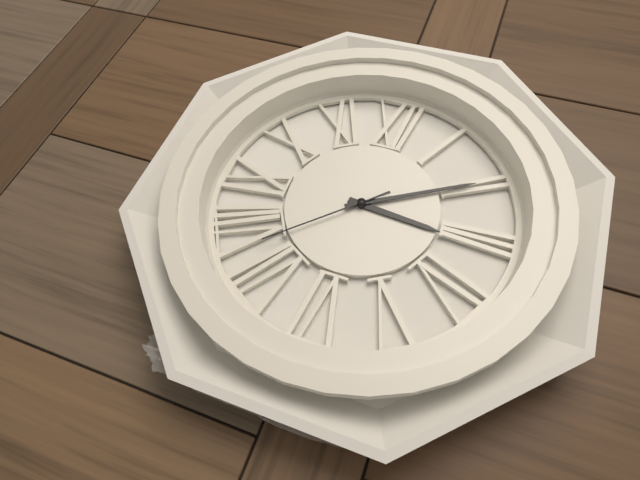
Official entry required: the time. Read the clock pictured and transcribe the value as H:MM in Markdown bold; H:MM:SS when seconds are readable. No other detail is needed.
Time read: **3:10:38**
